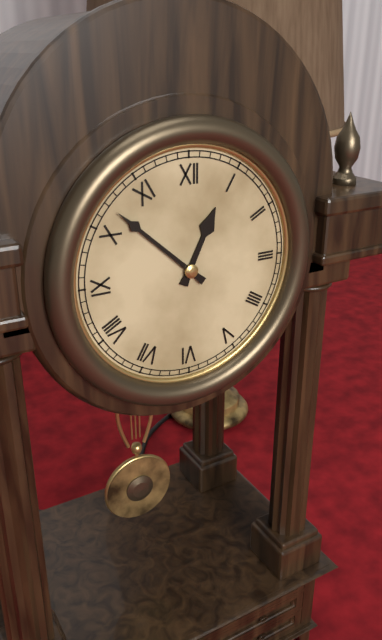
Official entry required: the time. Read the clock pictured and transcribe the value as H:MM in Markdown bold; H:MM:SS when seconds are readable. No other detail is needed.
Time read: **12:52**
